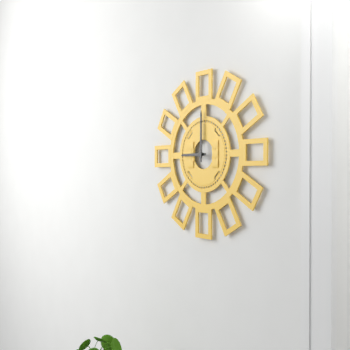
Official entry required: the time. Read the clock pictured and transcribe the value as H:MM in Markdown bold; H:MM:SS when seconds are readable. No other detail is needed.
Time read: **9:00**
